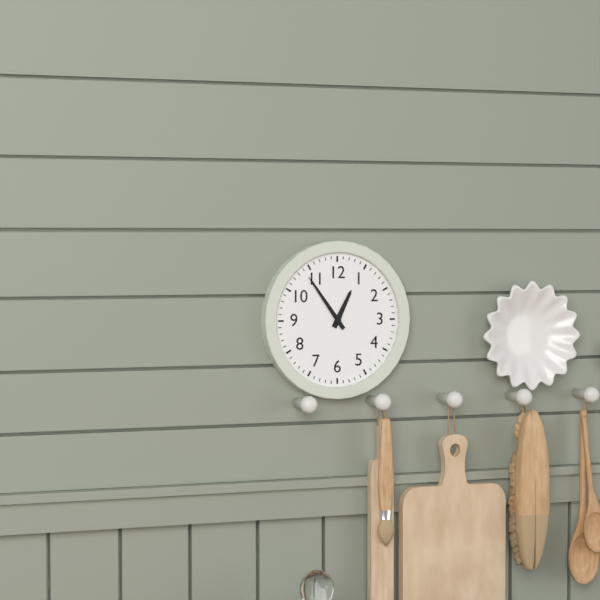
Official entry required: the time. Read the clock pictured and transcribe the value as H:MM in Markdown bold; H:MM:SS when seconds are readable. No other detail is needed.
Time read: **12:54**
